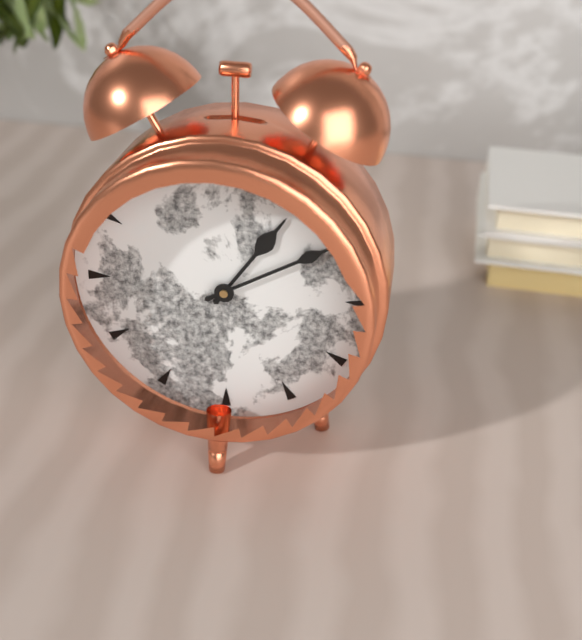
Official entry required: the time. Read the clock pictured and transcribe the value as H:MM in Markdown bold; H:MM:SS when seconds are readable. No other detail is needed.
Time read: **1:10**
